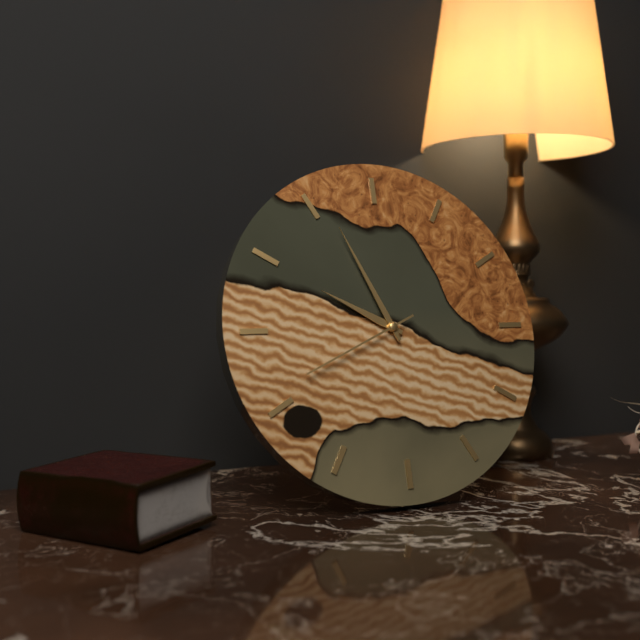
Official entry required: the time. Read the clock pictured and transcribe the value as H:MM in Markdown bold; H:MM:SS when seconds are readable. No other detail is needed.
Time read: **9:56:41**
